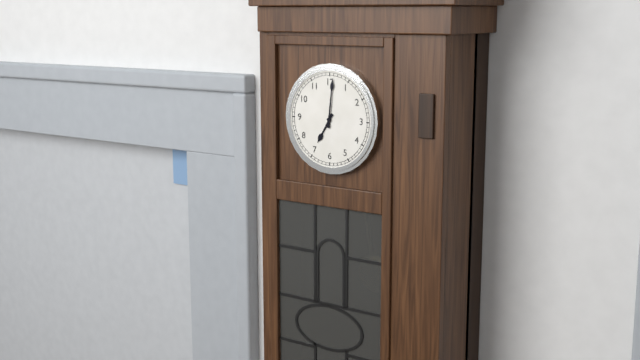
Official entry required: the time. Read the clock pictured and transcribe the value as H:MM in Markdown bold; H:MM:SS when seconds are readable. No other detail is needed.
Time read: **7:01**
